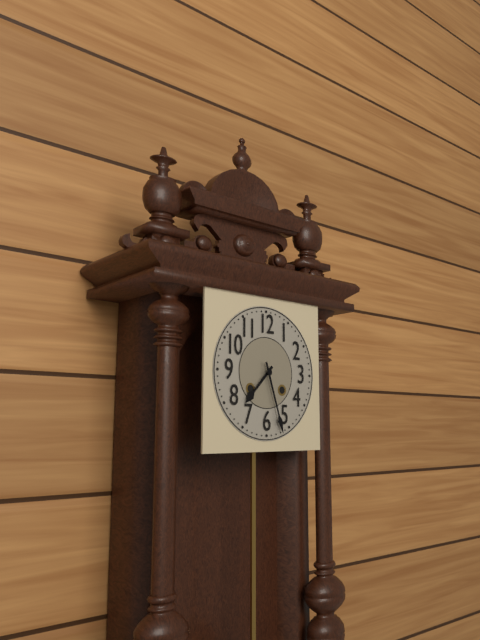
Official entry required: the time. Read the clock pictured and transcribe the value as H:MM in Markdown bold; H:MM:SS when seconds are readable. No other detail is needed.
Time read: **7:27**
